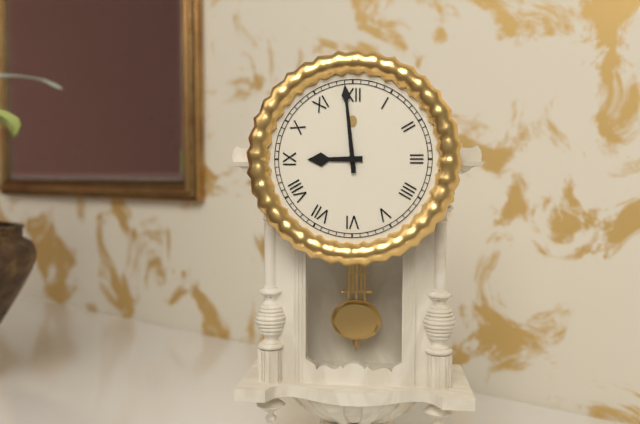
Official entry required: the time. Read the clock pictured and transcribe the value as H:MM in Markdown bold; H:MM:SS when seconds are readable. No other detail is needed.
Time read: **8:59**
